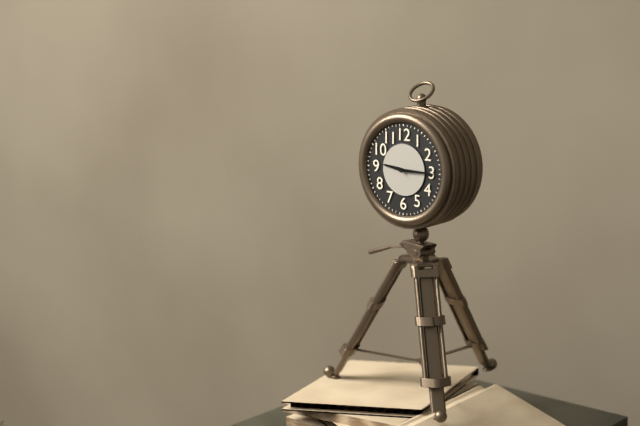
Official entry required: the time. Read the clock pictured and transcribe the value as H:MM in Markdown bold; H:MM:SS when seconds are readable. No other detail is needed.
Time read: **9:15**
